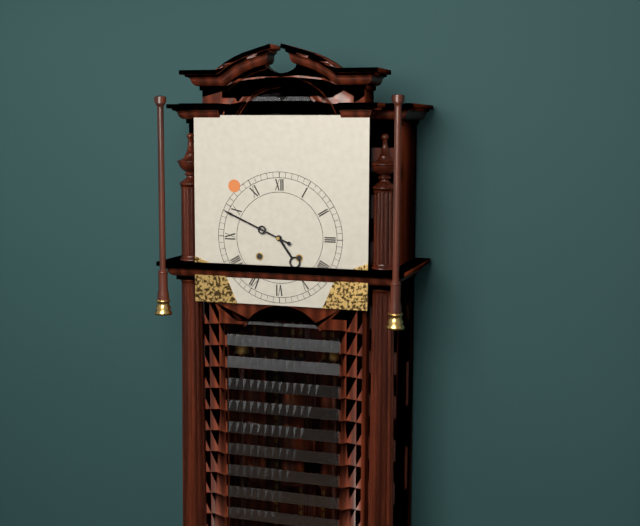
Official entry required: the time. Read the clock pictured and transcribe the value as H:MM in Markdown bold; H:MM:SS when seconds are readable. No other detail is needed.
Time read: **4:49**
